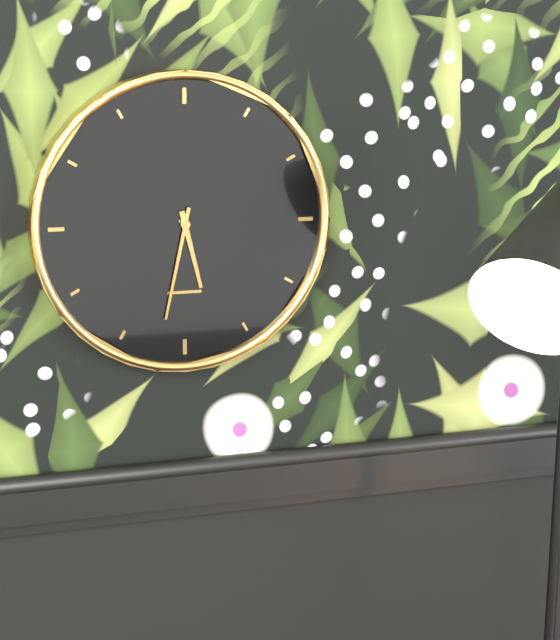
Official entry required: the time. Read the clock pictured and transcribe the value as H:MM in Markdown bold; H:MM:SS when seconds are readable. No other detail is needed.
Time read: **5:32**
